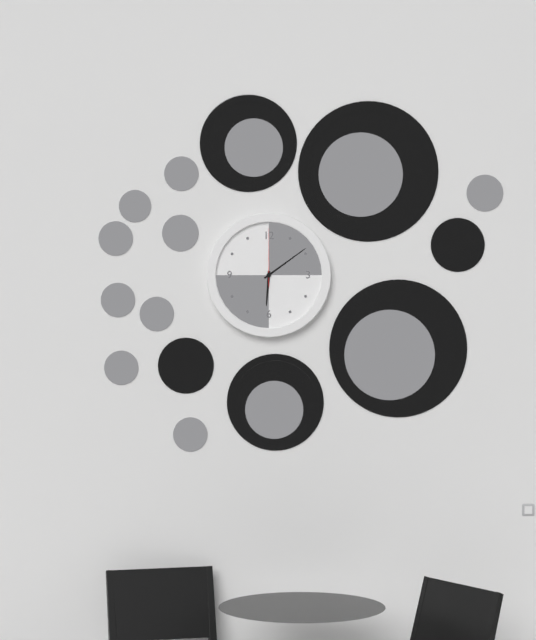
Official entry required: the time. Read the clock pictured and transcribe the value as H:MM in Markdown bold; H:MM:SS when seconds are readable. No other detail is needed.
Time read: **6:09:00**
